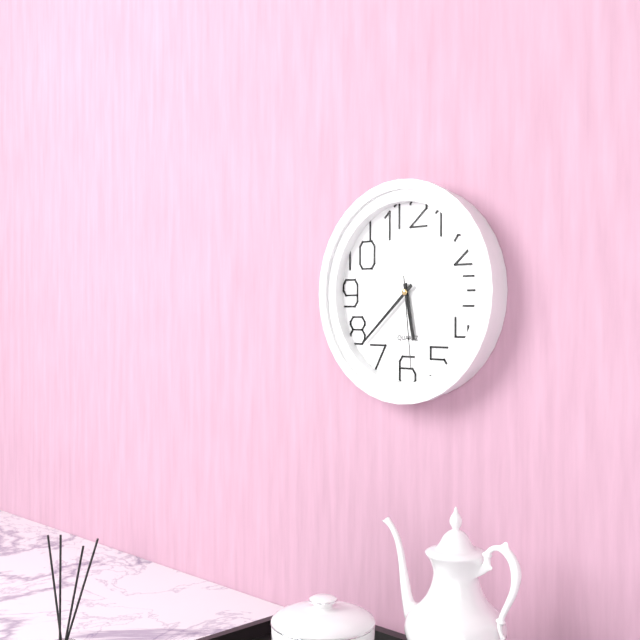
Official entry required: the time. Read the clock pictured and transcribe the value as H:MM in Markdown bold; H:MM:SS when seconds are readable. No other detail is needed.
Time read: **5:38:29**
